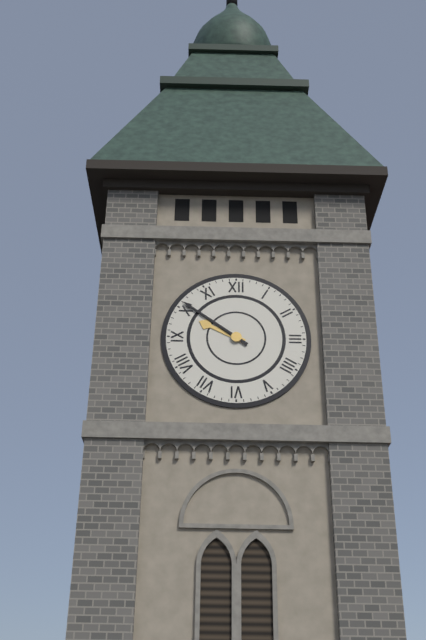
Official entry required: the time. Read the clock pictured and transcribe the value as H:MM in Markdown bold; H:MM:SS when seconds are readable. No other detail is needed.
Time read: **9:51**
